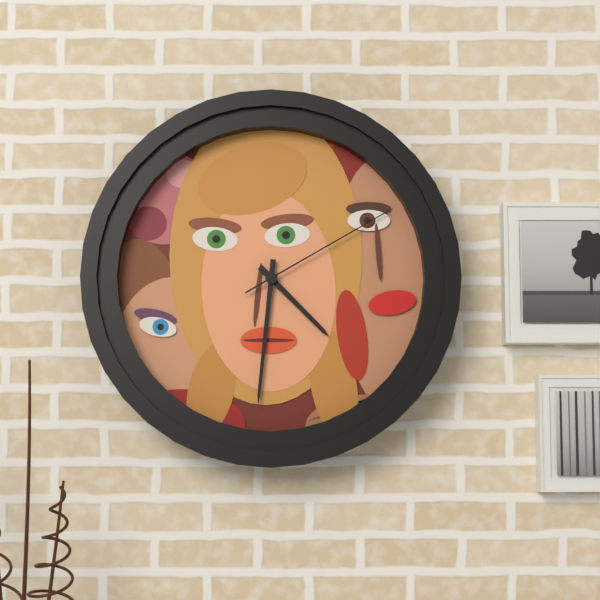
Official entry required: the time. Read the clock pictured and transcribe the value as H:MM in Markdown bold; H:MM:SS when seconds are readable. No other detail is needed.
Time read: **4:31:10**
